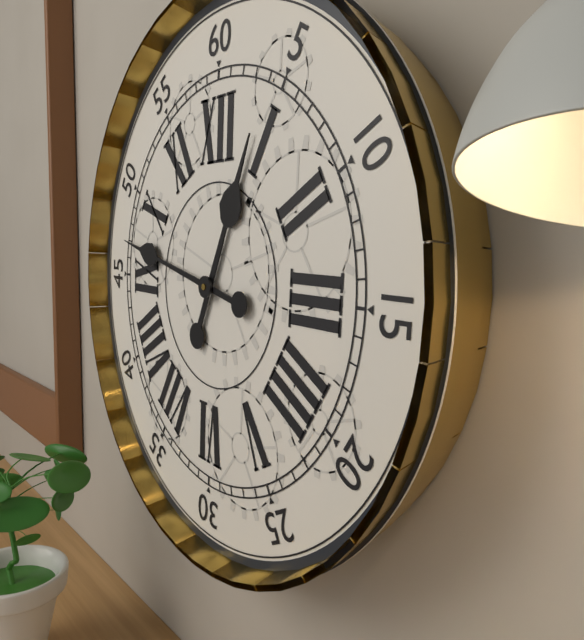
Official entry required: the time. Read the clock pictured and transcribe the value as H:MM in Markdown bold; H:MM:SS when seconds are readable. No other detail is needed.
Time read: **12:47**
